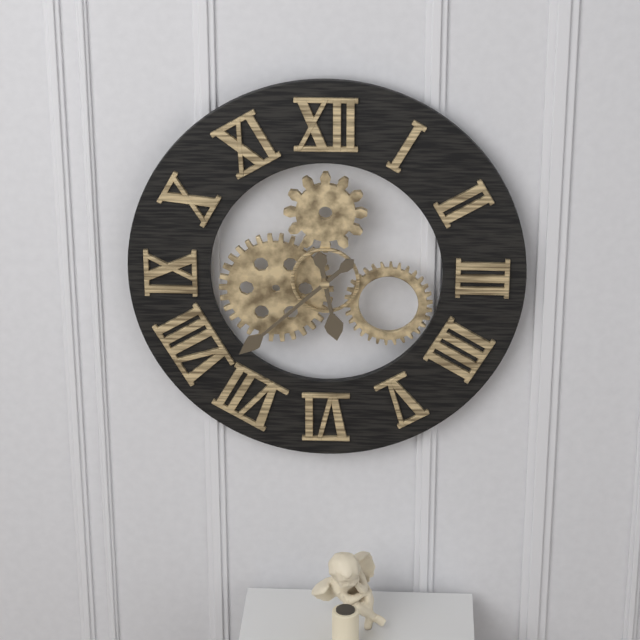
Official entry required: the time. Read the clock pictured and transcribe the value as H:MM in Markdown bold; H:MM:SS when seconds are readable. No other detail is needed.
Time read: **5:38**
